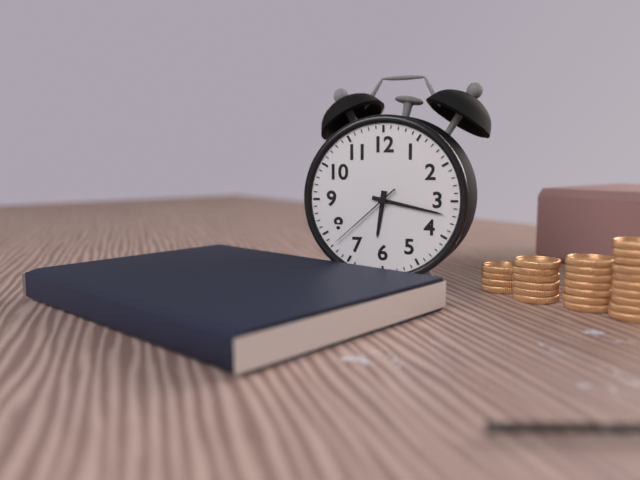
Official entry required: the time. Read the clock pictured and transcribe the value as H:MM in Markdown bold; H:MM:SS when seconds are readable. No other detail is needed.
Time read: **6:17:38**
